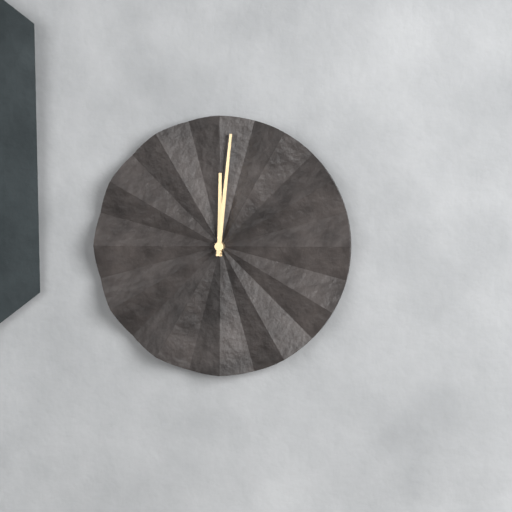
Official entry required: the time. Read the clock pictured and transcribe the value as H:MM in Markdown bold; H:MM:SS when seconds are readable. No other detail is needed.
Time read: **12:01**
